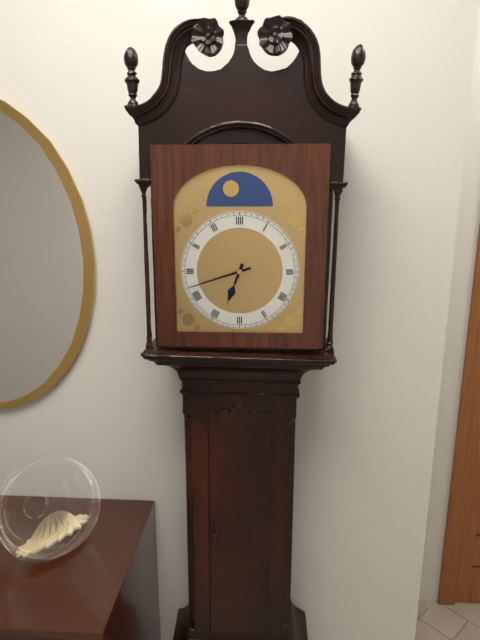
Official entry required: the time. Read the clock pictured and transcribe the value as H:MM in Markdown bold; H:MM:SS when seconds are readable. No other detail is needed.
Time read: **6:42**
